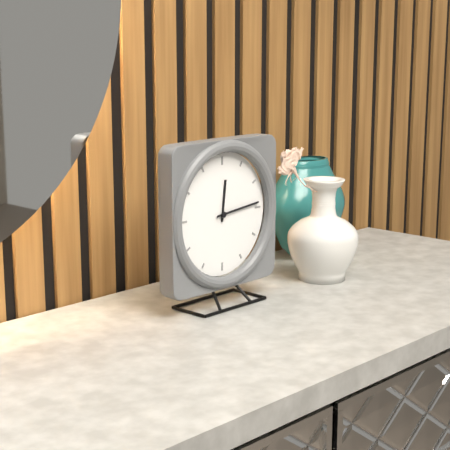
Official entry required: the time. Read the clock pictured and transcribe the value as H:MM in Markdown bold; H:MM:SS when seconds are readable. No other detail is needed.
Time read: **12:14**
